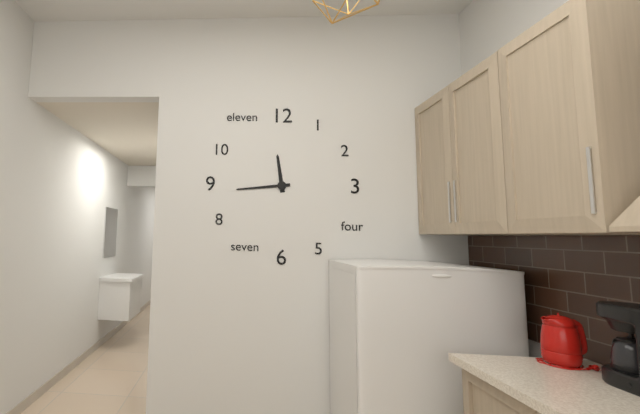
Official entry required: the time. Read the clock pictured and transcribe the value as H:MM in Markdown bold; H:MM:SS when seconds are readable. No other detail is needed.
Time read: **11:44**
